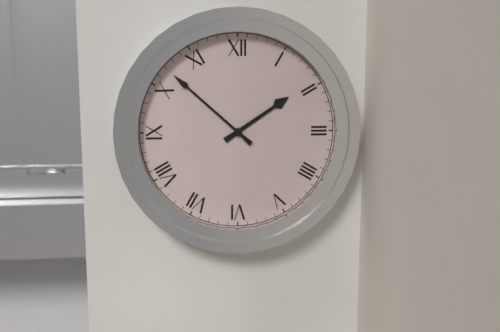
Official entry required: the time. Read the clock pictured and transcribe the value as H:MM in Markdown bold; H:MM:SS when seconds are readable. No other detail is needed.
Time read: **1:52**
